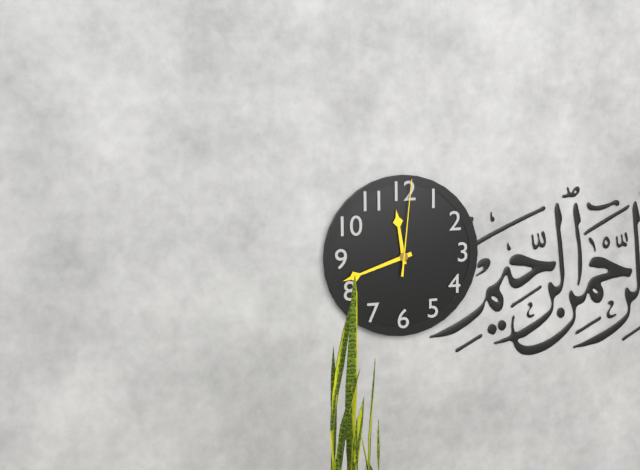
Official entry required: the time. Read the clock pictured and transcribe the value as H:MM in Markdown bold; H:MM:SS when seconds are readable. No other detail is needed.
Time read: **11:42:01**
